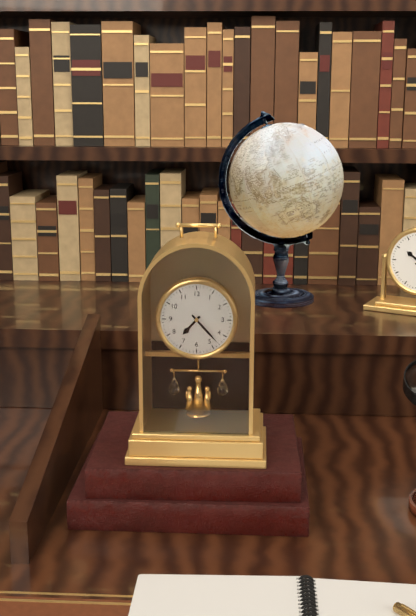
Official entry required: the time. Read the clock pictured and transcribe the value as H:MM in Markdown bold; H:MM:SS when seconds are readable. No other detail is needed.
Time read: **7:23**
